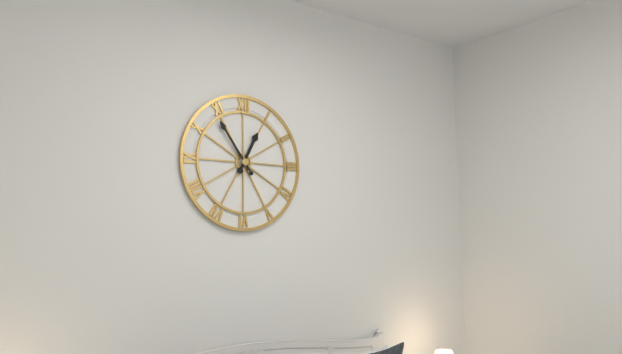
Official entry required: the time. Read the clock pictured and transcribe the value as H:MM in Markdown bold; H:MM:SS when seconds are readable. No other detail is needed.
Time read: **12:54**
